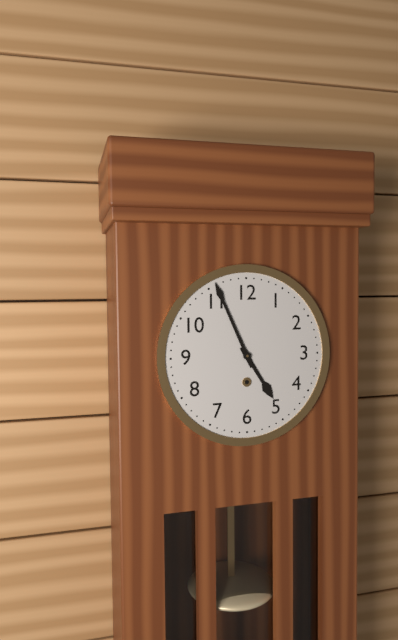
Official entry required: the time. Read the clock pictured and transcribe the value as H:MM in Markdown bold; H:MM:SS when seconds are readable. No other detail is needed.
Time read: **4:56**
